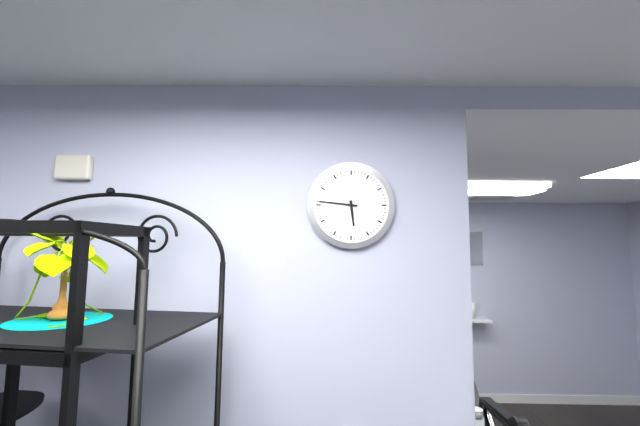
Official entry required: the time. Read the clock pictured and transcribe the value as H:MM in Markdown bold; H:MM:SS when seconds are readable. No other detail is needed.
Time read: **5:46**
